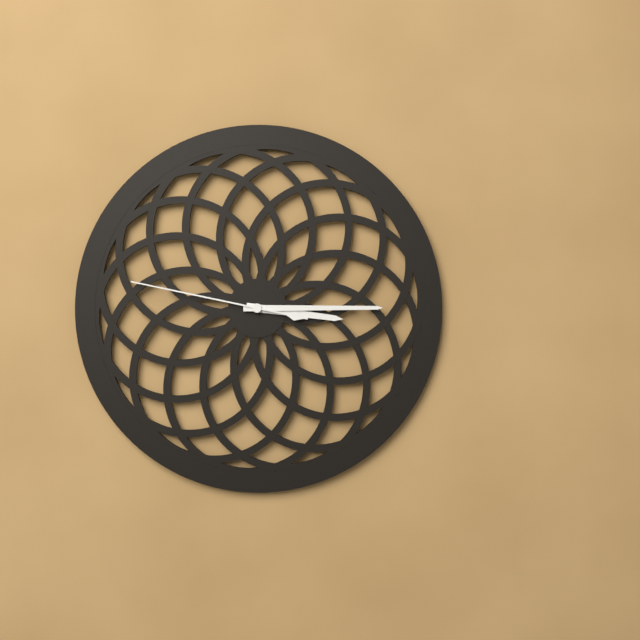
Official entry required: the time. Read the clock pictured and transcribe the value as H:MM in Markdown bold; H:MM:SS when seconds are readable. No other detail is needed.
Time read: **3:15:47**
